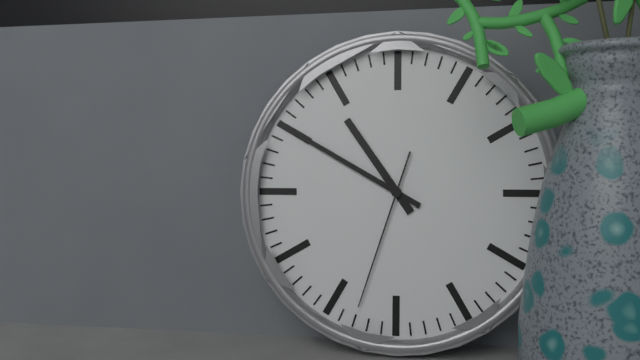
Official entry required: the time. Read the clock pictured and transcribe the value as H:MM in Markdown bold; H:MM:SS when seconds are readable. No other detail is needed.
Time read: **10:50:33**
